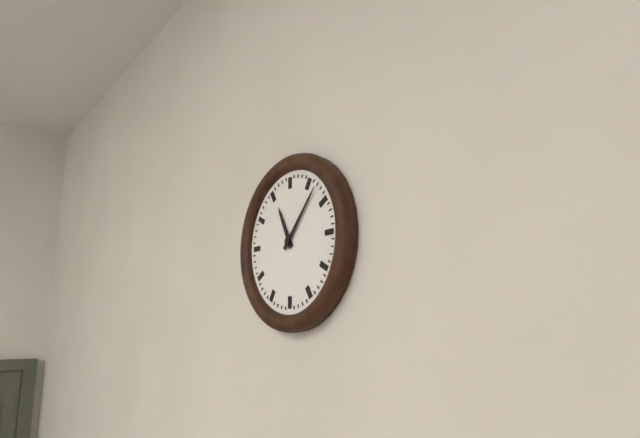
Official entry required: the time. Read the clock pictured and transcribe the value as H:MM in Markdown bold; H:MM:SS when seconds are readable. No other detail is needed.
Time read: **11:07**
